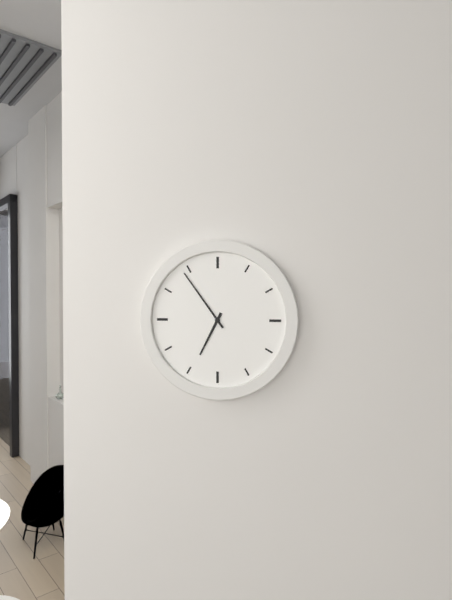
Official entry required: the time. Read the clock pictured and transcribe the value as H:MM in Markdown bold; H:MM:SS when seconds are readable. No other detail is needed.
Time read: **6:54**
